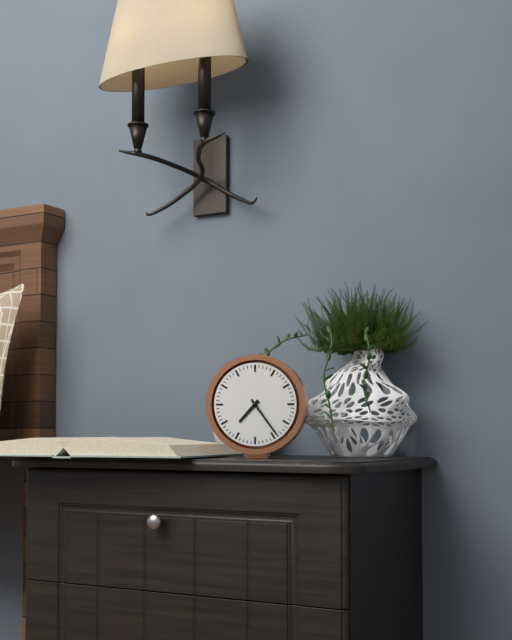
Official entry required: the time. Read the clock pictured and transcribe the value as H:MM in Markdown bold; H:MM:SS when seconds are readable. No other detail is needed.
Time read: **7:24**
